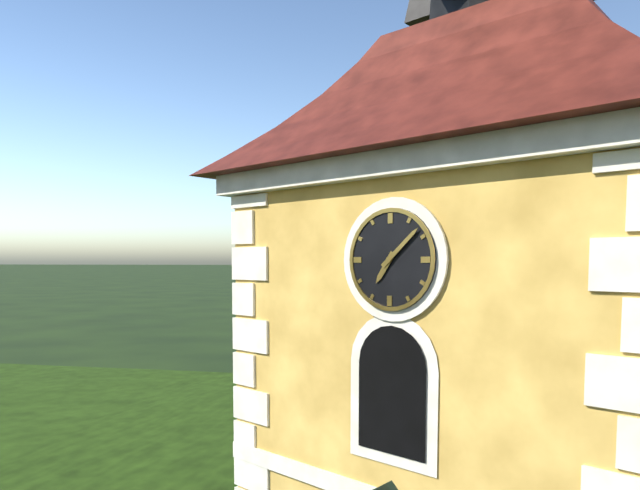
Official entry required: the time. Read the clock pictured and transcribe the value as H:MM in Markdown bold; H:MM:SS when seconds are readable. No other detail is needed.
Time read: **7:08**
